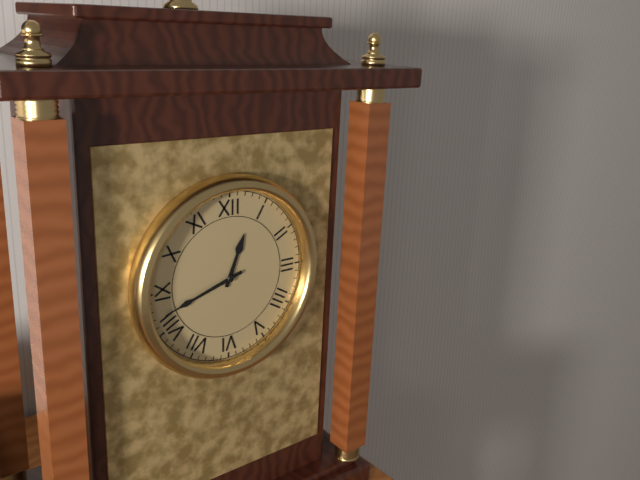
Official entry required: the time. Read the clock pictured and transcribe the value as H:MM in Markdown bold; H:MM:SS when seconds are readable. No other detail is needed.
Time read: **12:42**
